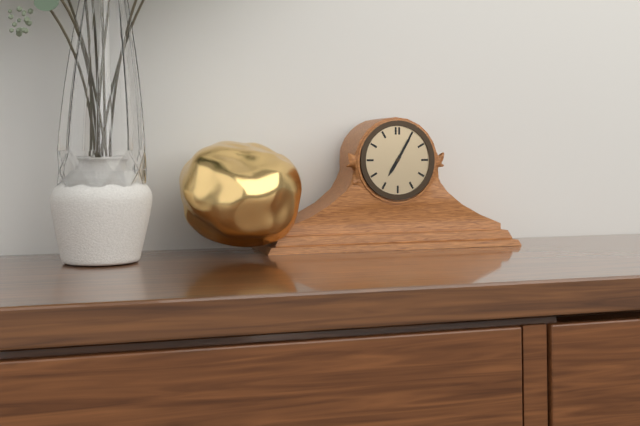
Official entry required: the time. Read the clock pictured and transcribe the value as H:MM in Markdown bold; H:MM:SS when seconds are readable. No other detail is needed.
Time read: **7:05**
